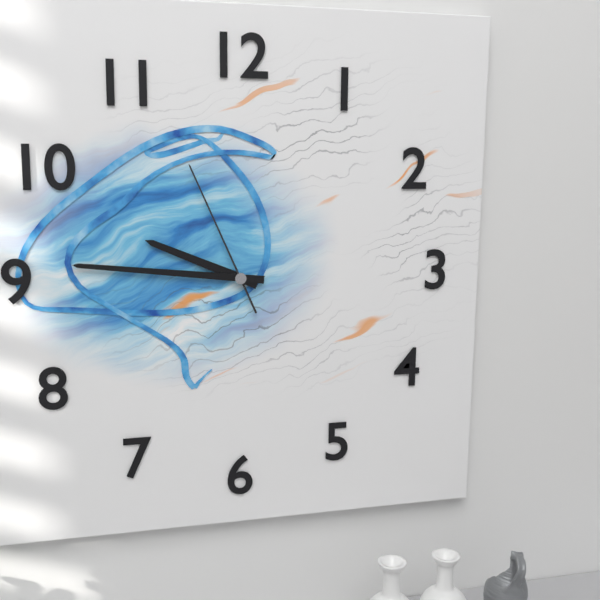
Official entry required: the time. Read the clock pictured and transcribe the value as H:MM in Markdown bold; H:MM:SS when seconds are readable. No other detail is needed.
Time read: **9:46:56**
